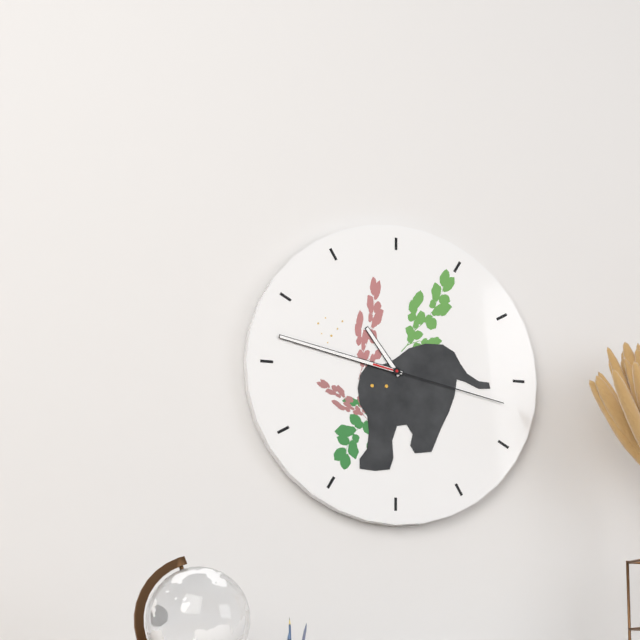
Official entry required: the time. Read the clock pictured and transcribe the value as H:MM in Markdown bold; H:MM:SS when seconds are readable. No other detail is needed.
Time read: **10:47:17**
